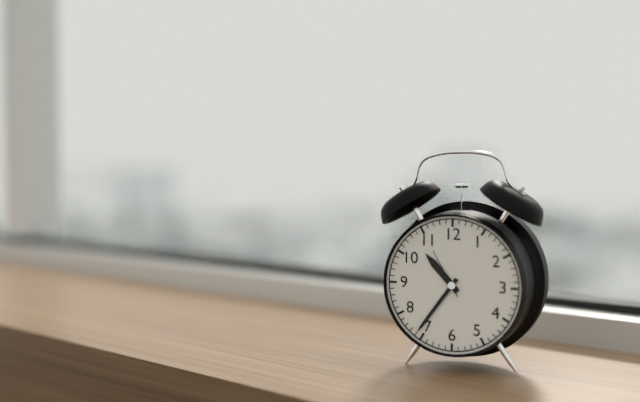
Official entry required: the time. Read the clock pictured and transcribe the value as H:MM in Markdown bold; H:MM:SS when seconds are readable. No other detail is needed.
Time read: **10:36:55**
